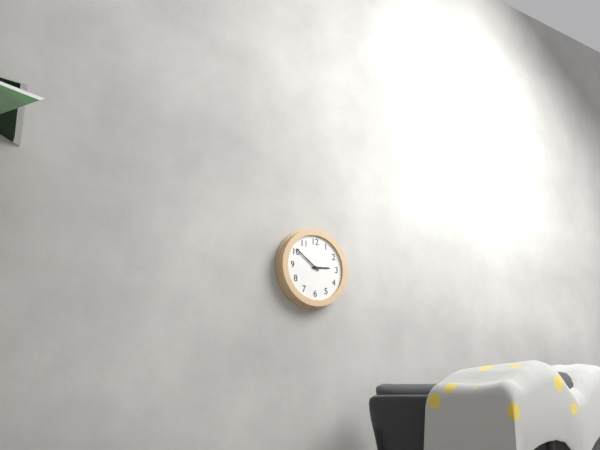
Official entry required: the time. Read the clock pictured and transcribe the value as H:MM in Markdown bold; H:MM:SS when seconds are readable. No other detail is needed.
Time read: **2:51**
